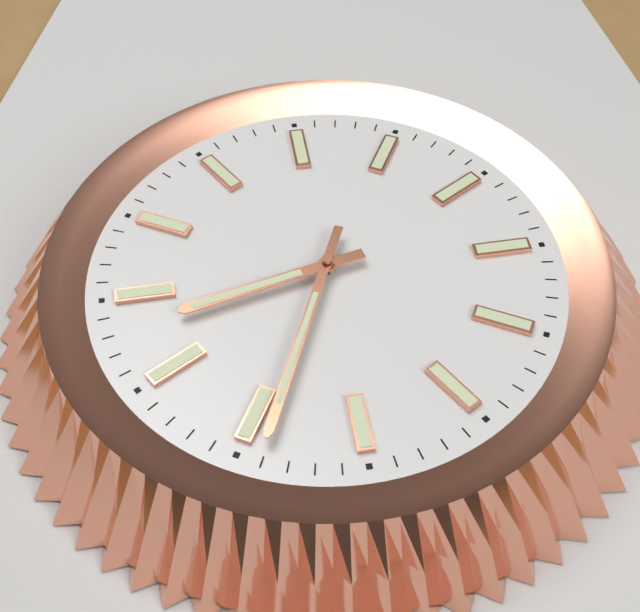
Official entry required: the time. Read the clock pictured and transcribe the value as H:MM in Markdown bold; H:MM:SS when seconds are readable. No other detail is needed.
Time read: **8:34**
